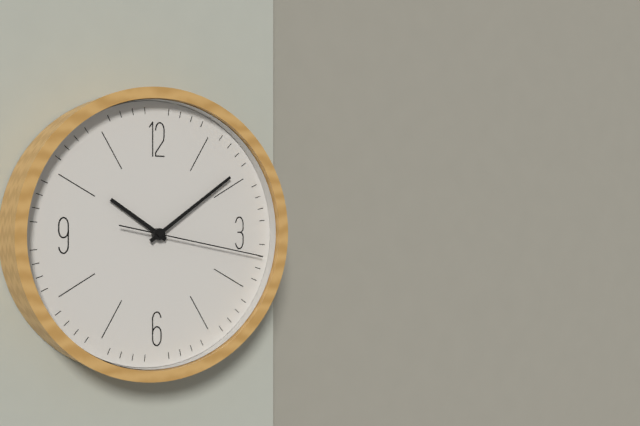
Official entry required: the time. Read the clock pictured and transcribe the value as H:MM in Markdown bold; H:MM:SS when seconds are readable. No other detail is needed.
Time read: **10:09:17**
